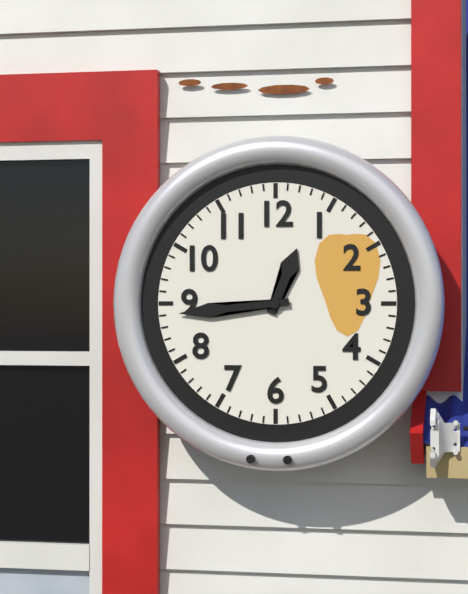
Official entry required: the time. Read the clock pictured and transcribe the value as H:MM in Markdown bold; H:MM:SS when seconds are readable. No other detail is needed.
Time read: **12:44**
